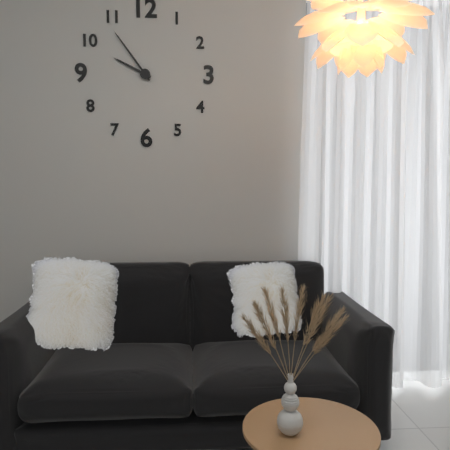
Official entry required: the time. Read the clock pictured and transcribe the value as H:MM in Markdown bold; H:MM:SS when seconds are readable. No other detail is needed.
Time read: **9:54**
